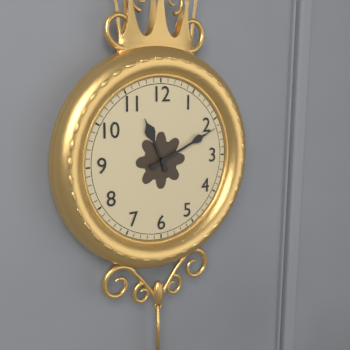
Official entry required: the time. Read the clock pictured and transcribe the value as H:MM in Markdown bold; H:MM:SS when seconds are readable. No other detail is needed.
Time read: **11:11**
